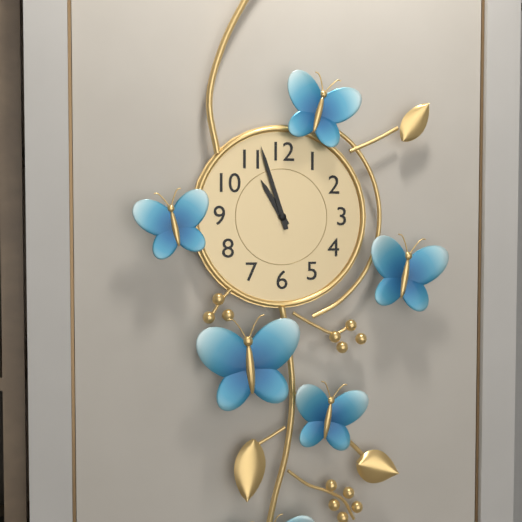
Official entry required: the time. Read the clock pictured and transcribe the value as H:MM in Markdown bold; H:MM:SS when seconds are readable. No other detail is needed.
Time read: **10:57**
